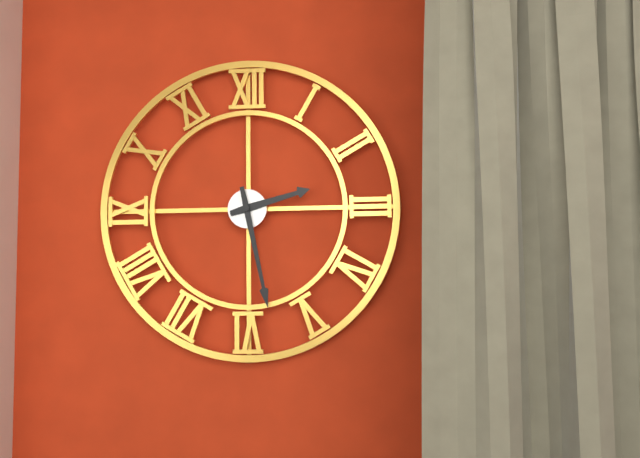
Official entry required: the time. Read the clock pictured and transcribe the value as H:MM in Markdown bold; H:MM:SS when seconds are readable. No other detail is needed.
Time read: **2:28**
